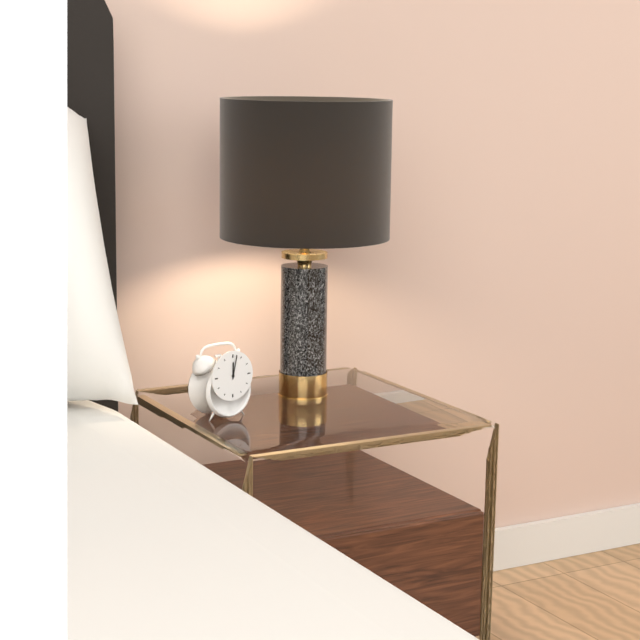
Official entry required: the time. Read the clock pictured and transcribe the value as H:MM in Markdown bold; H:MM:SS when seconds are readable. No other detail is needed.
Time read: **12:02**
